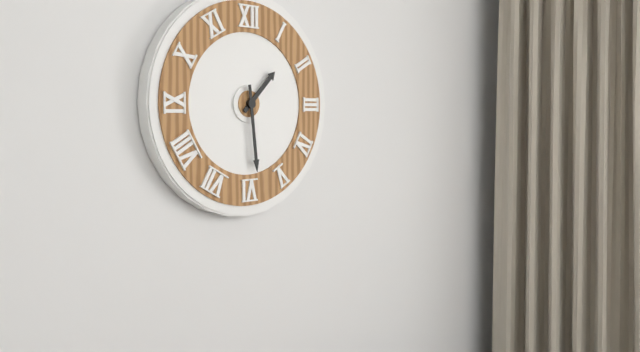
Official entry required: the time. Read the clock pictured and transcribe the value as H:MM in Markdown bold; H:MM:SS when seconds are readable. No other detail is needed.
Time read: **1:29**
